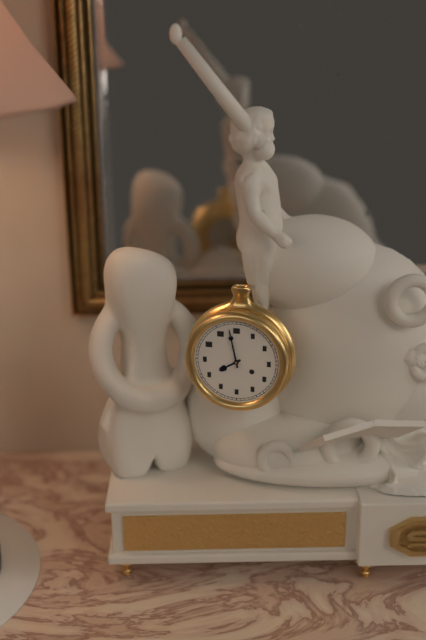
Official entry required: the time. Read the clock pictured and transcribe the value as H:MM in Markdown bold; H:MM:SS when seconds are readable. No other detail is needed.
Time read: **7:58**
